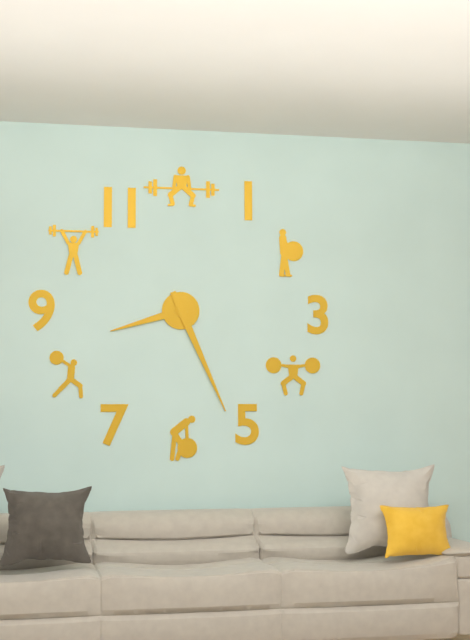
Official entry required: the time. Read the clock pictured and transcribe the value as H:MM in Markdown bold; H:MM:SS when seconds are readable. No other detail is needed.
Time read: **8:26**
